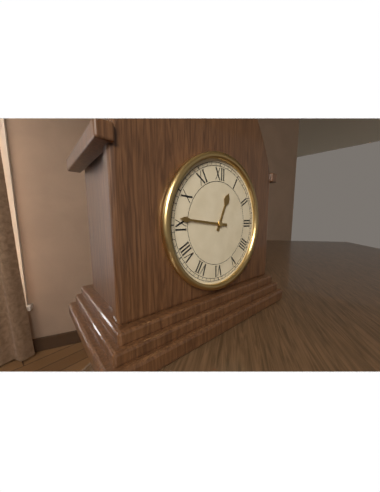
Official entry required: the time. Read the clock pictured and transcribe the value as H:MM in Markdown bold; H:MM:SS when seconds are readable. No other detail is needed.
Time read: **12:46**
